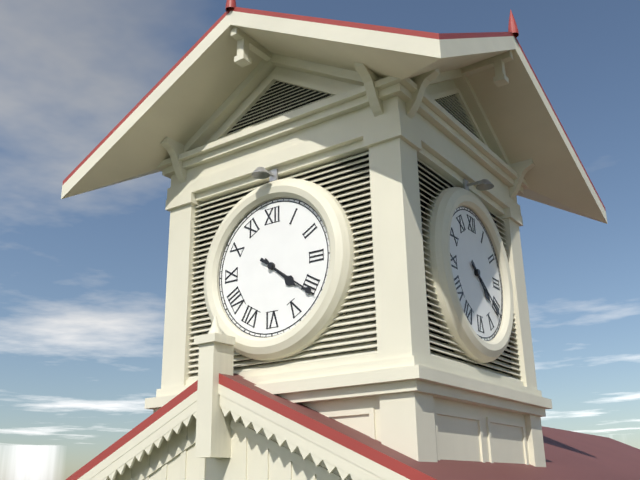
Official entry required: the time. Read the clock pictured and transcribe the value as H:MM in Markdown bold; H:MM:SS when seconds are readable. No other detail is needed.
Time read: **4:21**
